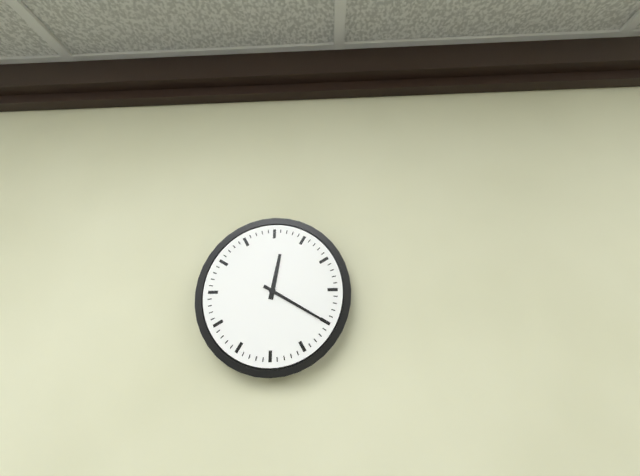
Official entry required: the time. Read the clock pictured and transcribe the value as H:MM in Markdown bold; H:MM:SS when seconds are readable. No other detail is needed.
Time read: **12:20**
